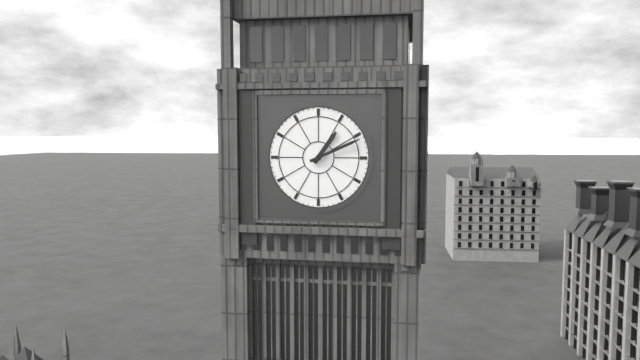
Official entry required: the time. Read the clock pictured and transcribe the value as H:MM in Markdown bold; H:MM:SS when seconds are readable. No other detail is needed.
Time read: **1:11**
